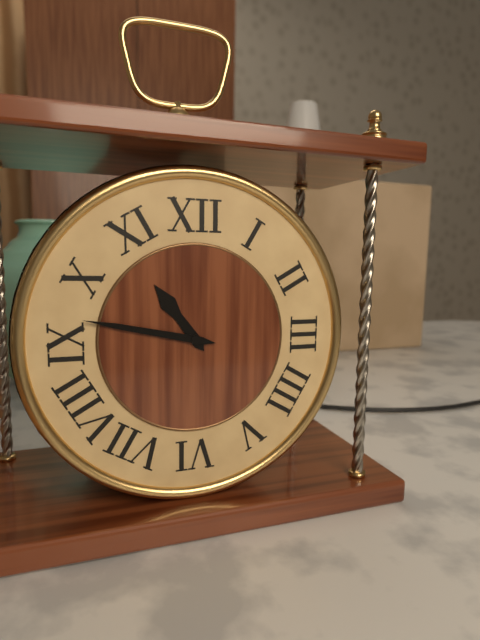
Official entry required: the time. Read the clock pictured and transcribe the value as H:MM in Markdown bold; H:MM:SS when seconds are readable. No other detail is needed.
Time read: **10:47**
